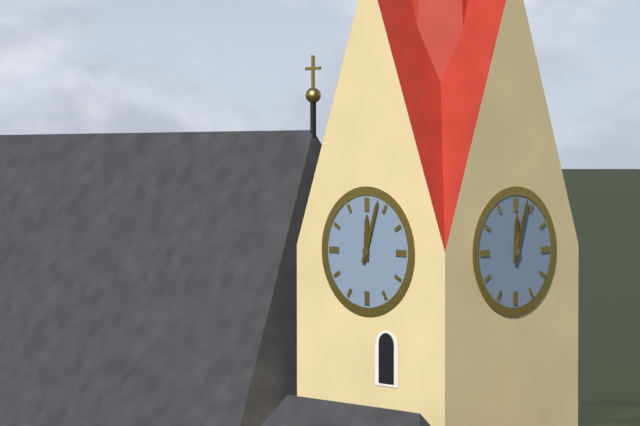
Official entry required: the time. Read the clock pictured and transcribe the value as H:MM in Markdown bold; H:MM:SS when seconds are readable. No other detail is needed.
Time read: **12:03**
